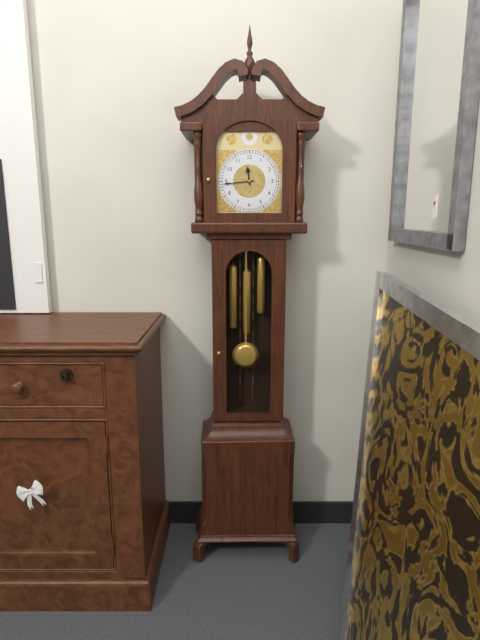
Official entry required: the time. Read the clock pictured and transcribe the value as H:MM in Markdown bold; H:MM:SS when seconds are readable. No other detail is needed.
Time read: **11:44**
